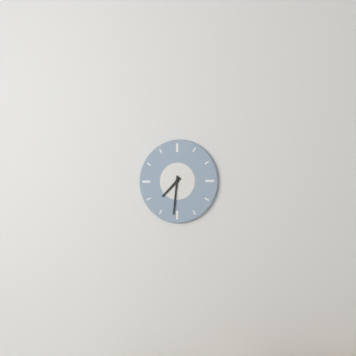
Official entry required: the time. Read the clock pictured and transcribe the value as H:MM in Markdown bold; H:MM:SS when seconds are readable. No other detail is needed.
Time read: **7:31**
